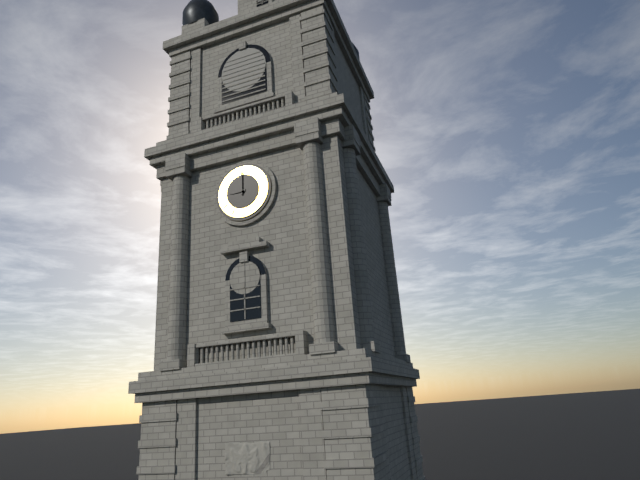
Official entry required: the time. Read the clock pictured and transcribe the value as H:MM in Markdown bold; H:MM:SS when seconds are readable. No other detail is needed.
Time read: **9:00**
